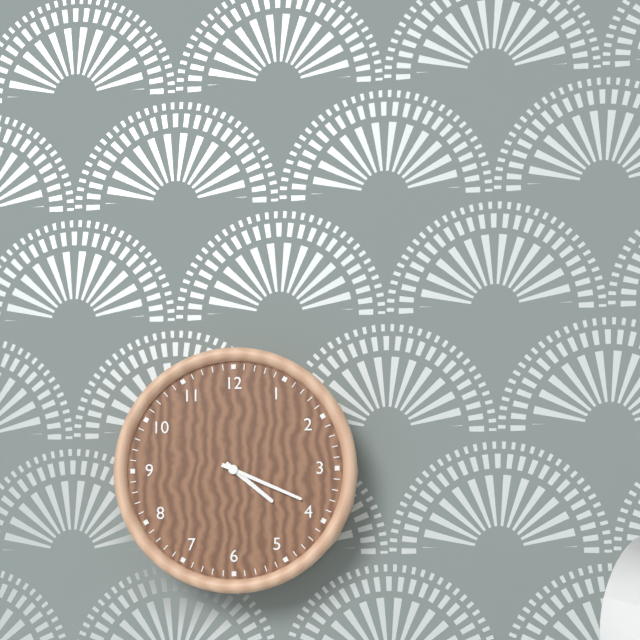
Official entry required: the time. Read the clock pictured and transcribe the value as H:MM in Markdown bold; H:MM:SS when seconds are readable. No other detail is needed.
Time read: **4:19**
